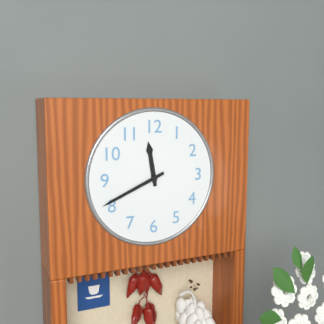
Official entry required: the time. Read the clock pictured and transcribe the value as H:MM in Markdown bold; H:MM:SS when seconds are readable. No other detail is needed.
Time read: **11:41**
